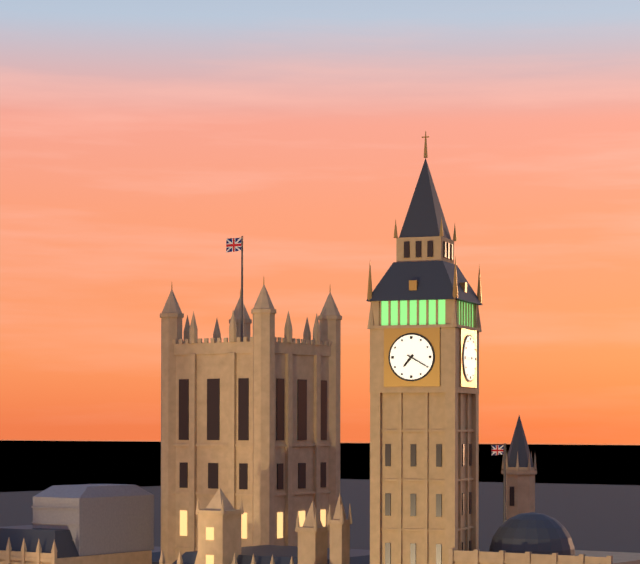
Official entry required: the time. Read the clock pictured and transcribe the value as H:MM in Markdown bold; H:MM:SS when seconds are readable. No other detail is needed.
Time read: **7:20**
